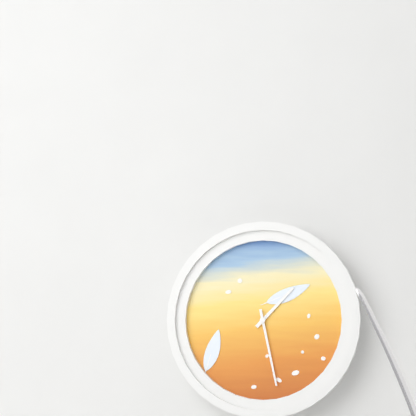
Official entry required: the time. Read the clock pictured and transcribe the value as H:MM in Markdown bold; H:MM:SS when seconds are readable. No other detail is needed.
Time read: **1:28**
